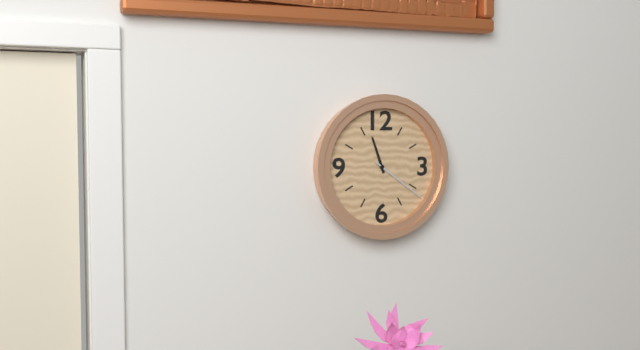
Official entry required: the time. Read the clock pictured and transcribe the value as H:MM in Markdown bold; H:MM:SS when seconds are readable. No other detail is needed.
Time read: **11:21**
